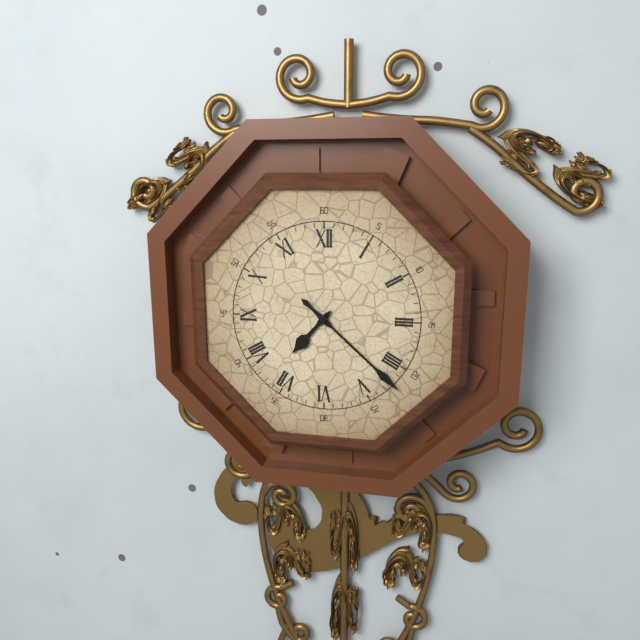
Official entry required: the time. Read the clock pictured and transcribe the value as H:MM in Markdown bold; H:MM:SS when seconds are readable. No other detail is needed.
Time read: **7:22**
